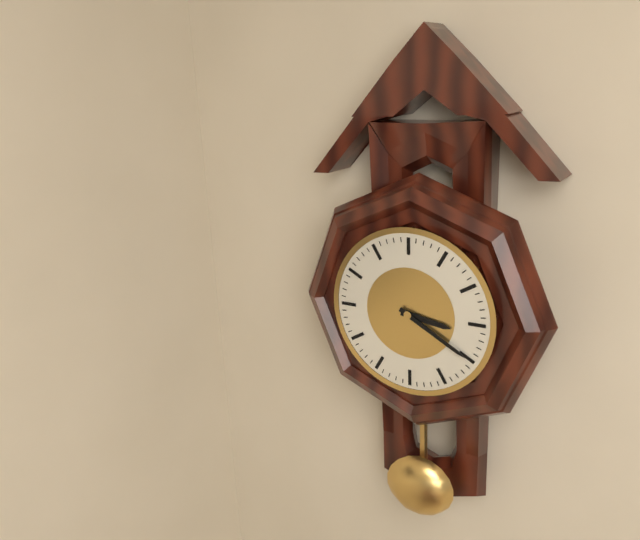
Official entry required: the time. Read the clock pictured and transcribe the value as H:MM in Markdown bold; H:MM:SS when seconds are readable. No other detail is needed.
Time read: **3:20**
